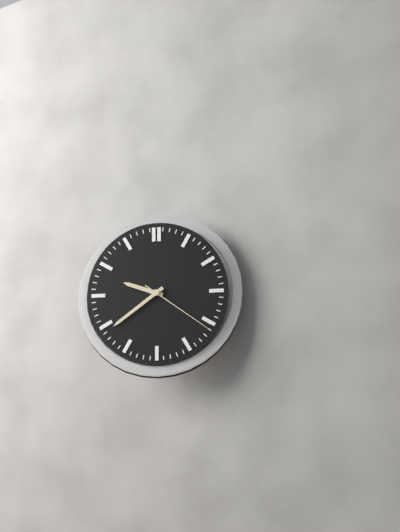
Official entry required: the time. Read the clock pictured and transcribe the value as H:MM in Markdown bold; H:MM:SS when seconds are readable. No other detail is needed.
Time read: **9:39:21**
